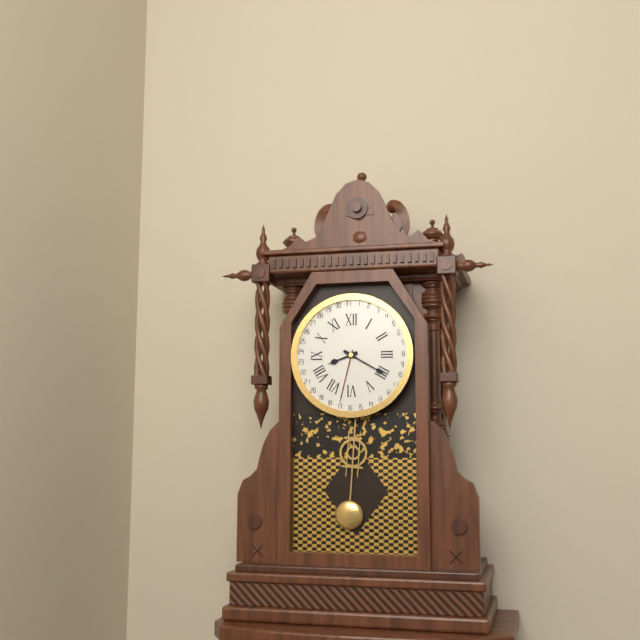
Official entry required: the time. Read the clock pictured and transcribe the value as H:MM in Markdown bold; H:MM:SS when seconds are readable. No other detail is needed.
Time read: **8:20**
